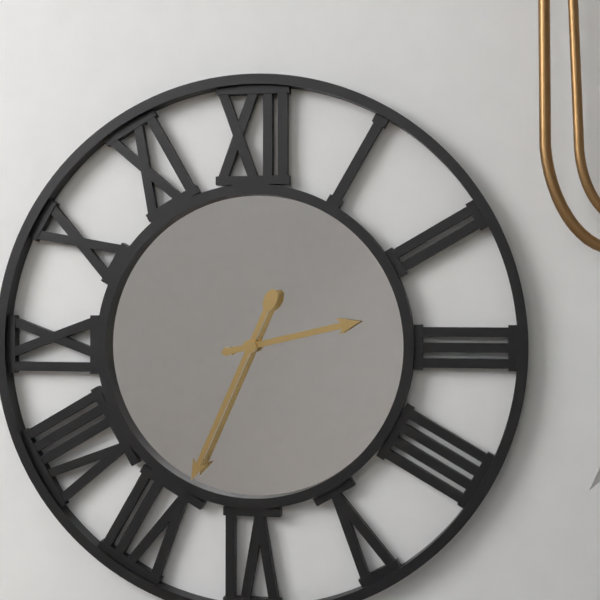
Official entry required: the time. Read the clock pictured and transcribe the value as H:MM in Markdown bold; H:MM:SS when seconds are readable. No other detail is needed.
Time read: **2:34**
